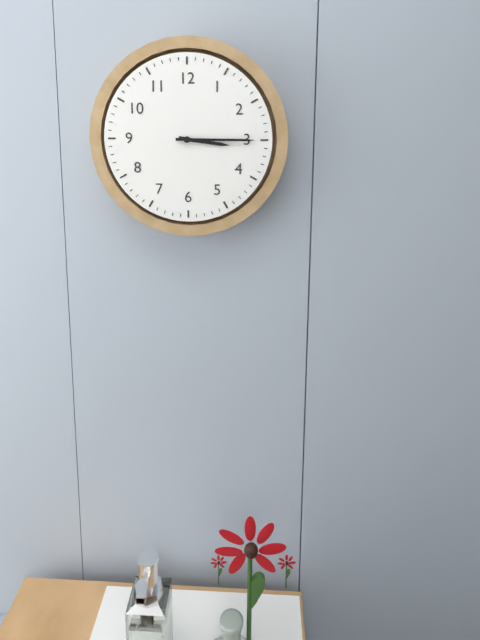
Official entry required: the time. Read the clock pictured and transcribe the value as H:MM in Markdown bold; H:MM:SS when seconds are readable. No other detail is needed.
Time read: **3:15**
